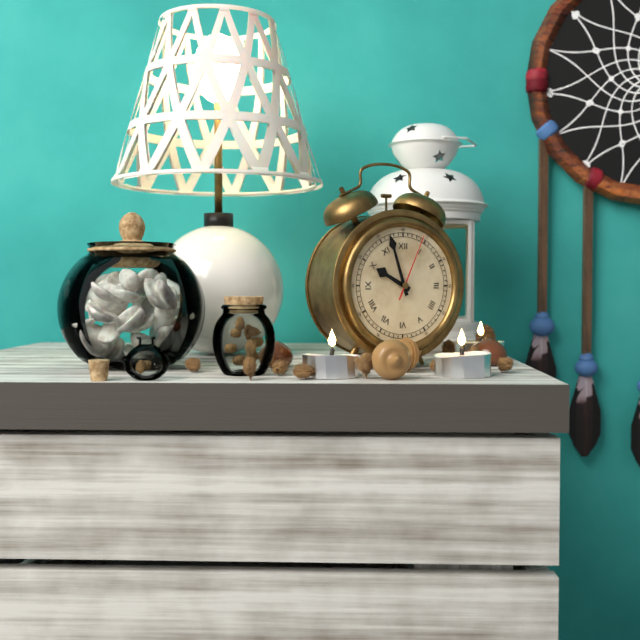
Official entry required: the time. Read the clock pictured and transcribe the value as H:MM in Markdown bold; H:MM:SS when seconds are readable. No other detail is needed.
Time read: **9:57:04**
